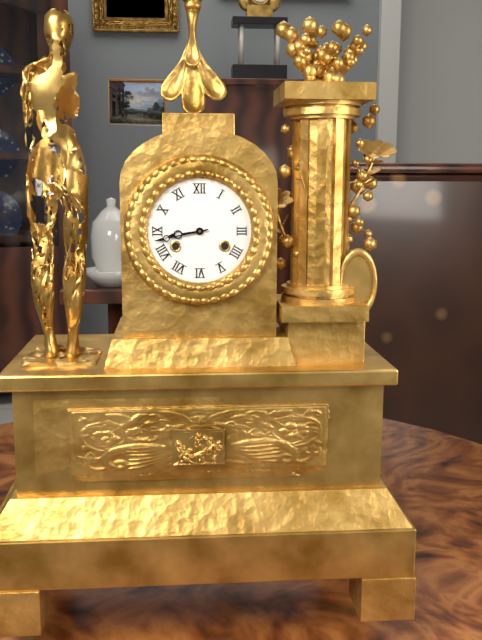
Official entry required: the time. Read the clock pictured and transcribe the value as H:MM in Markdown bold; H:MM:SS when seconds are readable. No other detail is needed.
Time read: **8:43**
